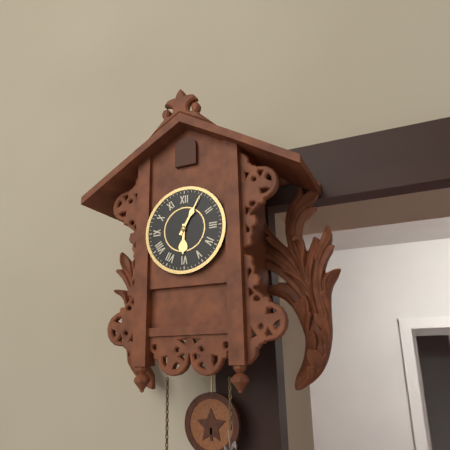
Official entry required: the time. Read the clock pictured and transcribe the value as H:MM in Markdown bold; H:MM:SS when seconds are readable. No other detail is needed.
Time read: **6:05**
